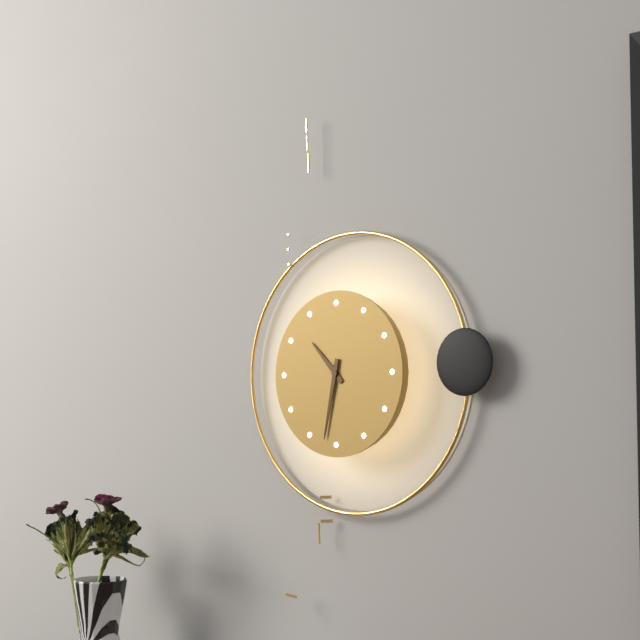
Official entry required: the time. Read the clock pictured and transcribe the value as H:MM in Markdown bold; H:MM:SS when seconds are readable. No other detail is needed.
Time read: **10:32**
